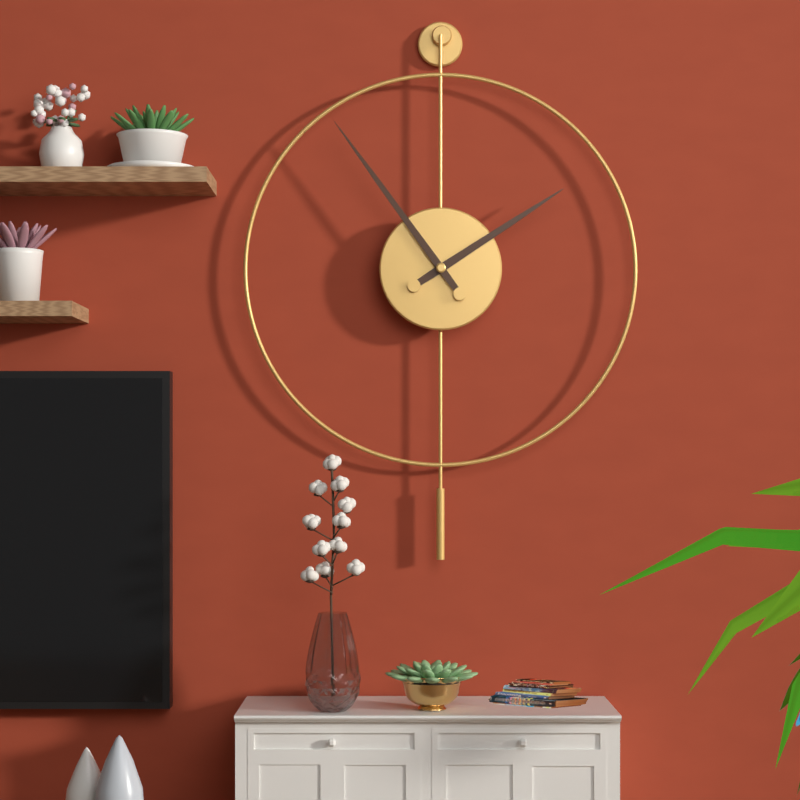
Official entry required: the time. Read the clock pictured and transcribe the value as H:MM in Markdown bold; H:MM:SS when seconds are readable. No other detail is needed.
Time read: **1:54**
